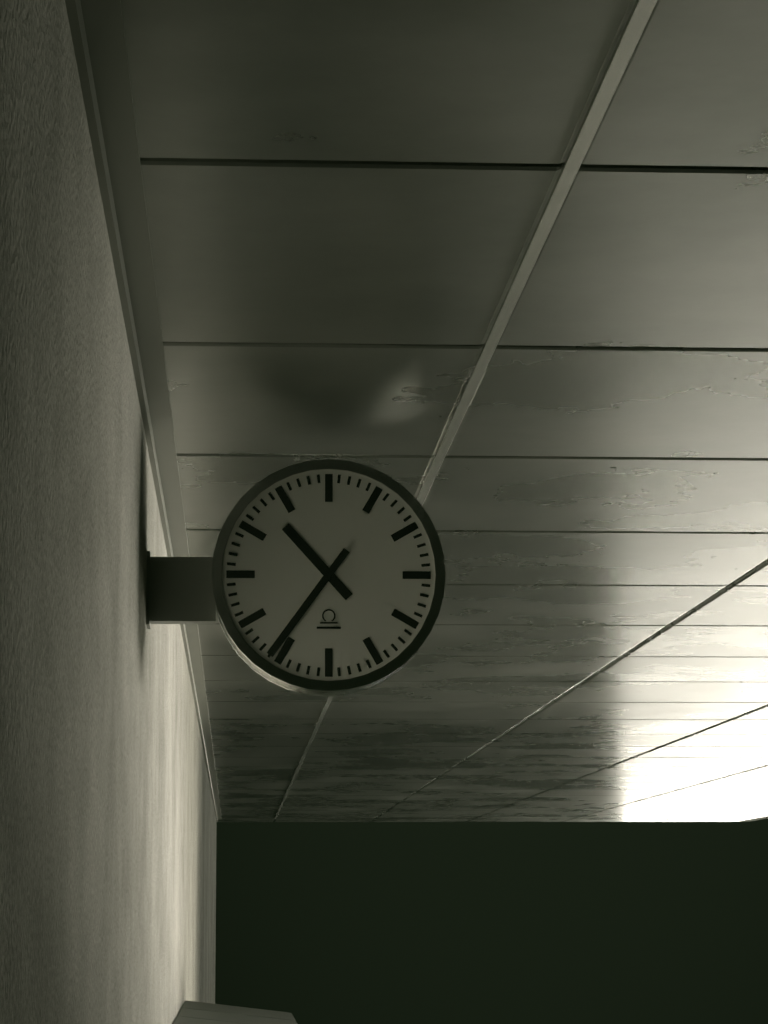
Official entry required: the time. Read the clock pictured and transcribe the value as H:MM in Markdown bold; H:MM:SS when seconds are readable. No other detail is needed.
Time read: **10:36**
